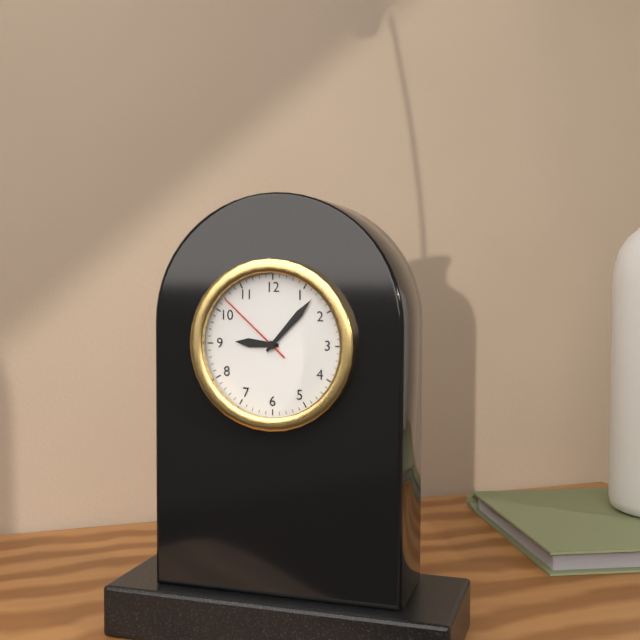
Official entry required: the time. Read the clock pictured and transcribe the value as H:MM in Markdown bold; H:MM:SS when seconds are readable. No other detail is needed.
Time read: **9:07:52**
